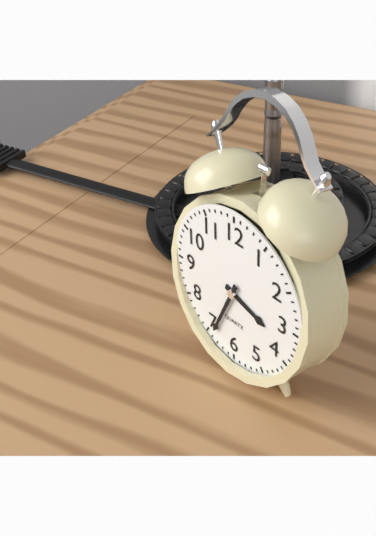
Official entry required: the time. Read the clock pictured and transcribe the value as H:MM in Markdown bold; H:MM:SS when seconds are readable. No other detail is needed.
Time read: **3:34**
